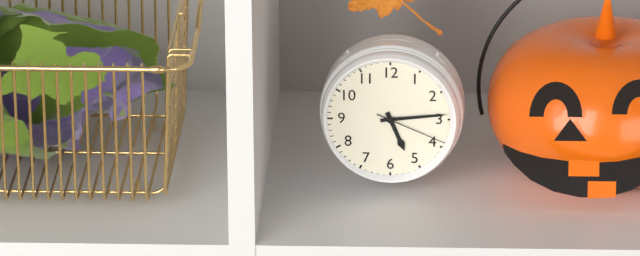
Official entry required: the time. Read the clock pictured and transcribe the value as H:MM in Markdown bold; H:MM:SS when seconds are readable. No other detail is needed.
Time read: **5:14:19**
